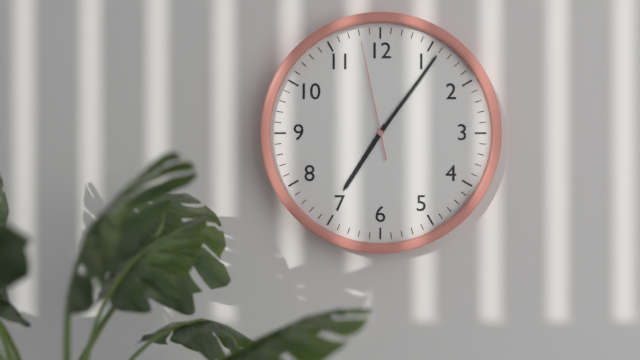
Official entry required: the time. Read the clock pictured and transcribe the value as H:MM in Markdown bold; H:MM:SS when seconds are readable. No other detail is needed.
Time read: **7:06:58**
